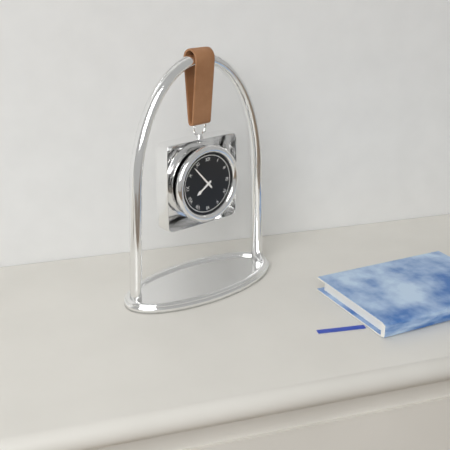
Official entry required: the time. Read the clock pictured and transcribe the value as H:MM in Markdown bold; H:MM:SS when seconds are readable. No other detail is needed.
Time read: **7:53**
